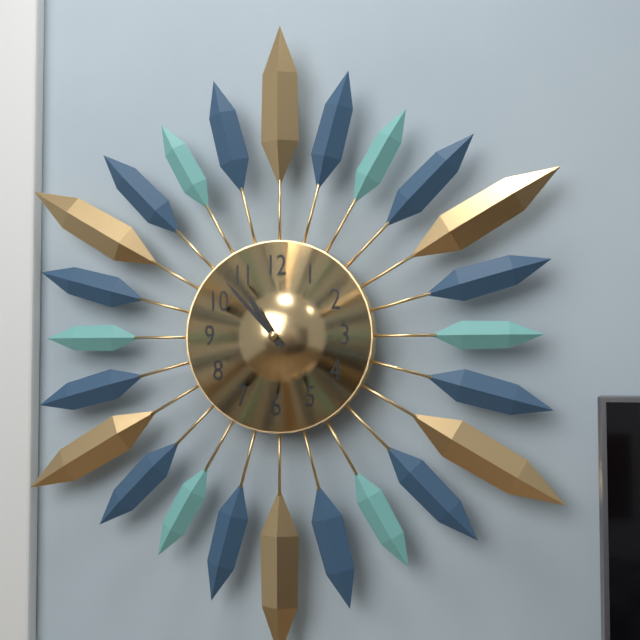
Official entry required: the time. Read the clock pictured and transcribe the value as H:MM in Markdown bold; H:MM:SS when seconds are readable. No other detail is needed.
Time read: **10:53**
